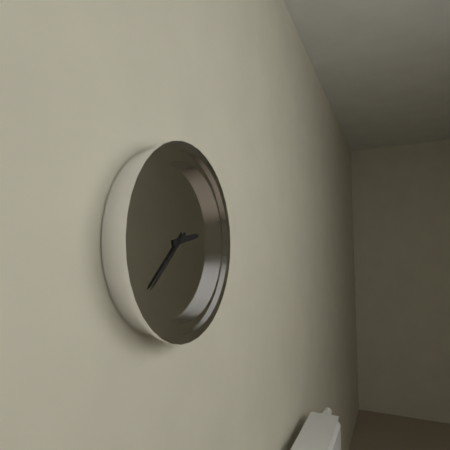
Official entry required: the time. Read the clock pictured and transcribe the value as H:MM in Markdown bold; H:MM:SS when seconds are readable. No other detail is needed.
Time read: **2:38**
